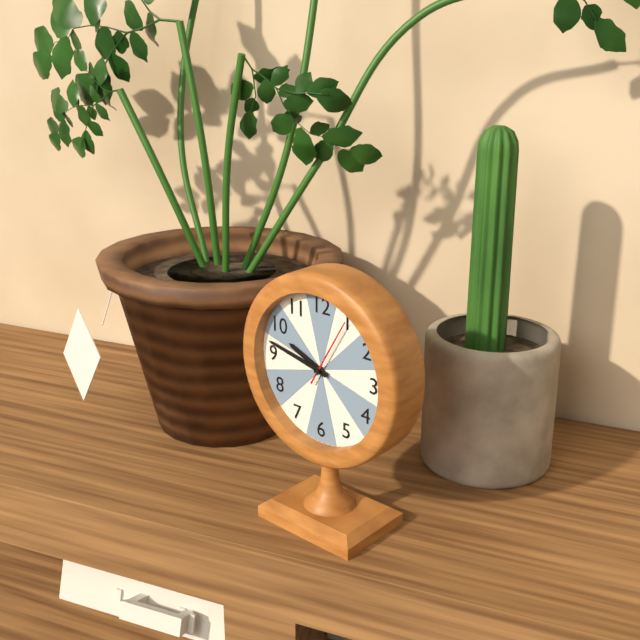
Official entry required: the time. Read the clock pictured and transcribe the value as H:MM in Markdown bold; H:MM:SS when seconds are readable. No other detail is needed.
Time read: **9:47:05**
